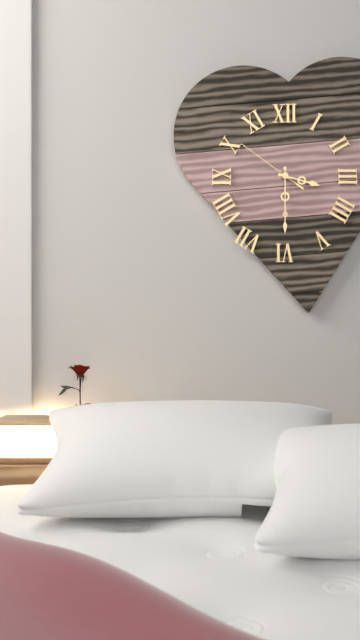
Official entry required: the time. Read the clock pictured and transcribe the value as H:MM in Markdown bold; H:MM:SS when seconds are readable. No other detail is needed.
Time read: **3:30:51**
